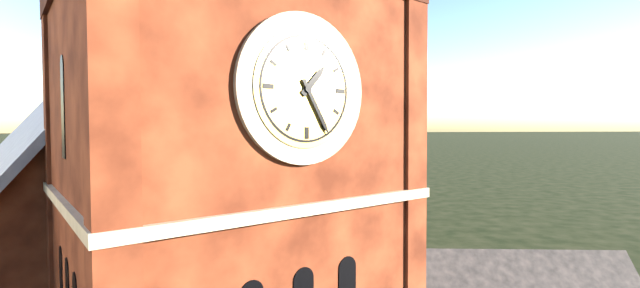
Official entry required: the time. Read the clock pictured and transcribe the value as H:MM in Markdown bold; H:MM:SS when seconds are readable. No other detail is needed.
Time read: **1:25**
